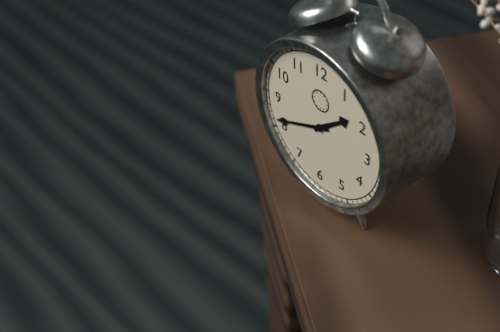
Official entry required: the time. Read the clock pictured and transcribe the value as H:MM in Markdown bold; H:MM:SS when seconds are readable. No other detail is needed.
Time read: **1:41**
